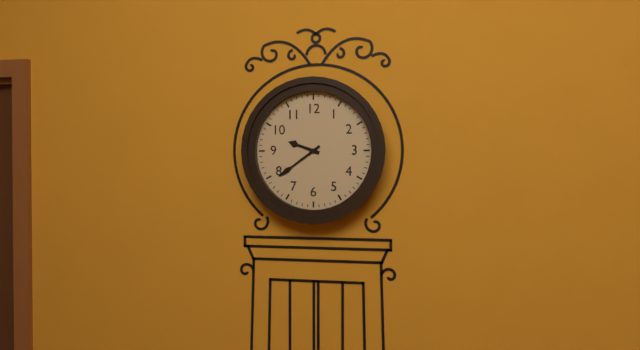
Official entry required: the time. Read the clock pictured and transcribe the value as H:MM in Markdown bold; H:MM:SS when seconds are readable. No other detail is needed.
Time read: **9:39**
